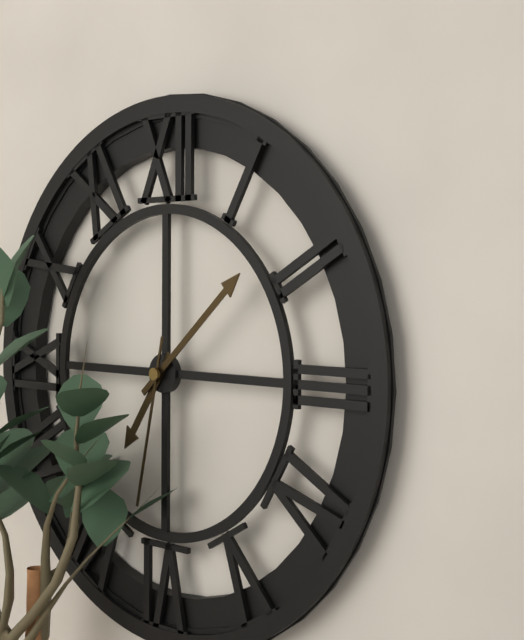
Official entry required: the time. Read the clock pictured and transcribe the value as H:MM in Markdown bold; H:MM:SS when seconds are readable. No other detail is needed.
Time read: **7:08:32**
